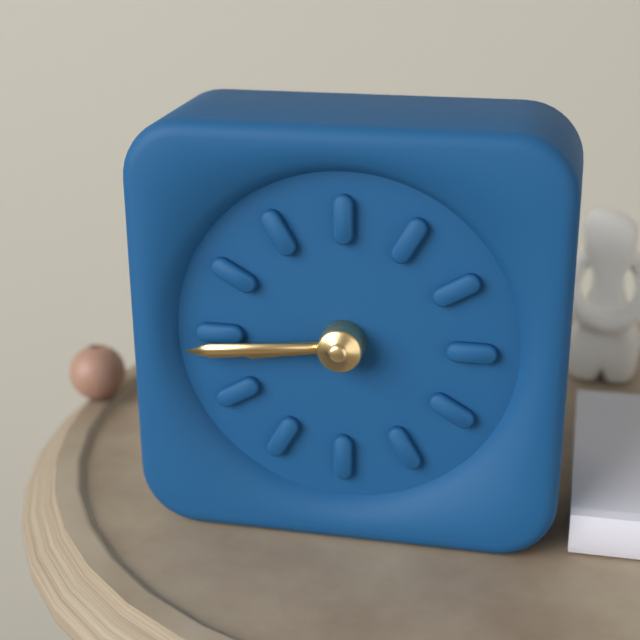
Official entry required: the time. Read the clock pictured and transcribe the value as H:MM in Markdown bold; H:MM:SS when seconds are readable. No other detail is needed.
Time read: **8:44**
